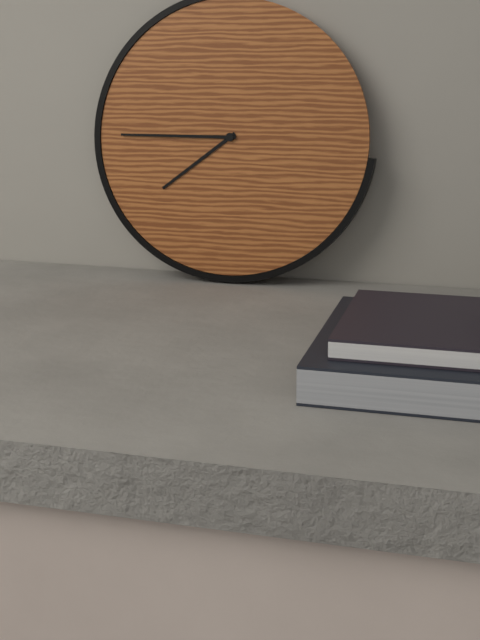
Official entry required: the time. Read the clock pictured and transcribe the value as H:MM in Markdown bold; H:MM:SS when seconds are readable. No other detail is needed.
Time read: **7:45**
